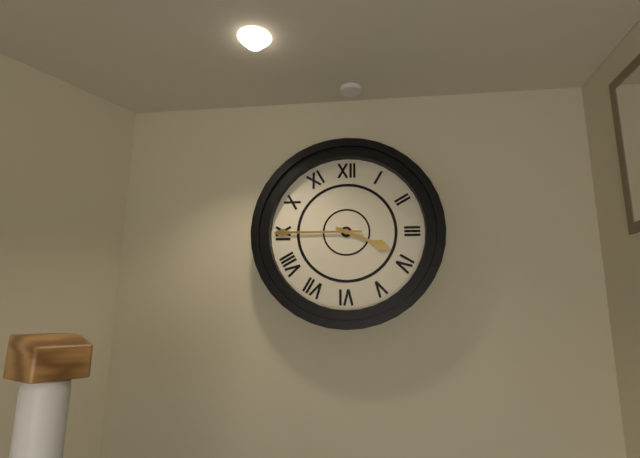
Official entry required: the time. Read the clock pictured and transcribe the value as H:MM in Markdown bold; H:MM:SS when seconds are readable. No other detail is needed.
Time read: **3:45**
